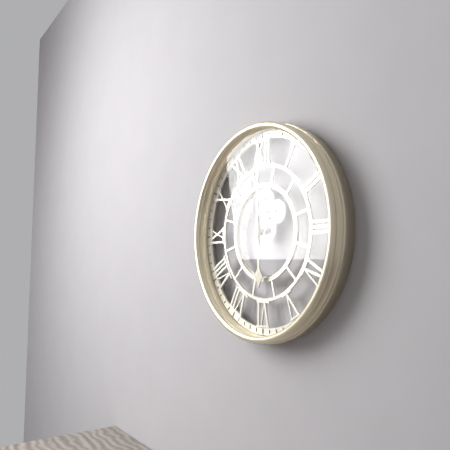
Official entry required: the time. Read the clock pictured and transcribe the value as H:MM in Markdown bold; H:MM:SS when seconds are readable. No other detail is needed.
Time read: **6:00**
